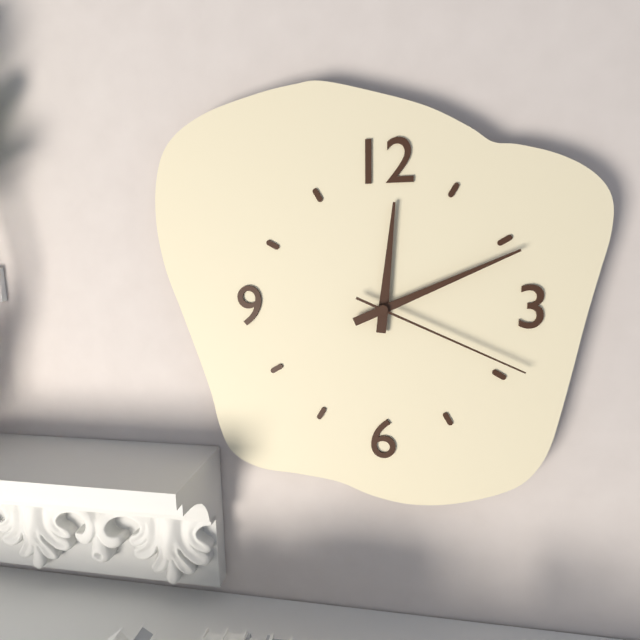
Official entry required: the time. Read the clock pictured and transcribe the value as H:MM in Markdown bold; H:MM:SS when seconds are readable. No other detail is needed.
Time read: **12:11:19**
